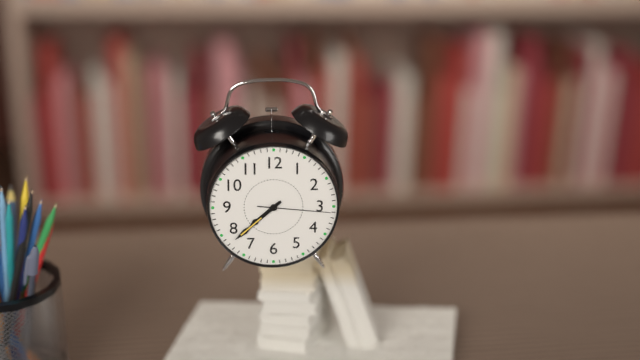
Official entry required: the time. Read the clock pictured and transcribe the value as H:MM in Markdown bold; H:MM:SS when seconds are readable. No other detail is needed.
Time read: **7:38:16**
